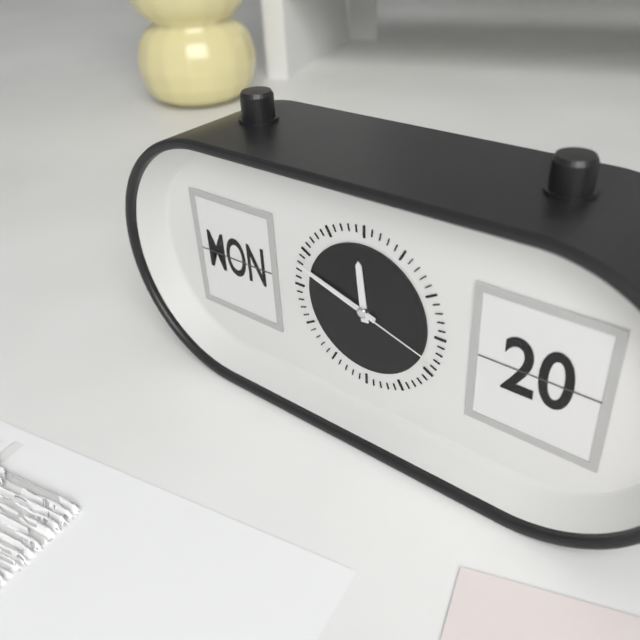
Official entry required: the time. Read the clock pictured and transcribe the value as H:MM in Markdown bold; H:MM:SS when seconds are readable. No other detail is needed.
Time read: **11:48:18**
